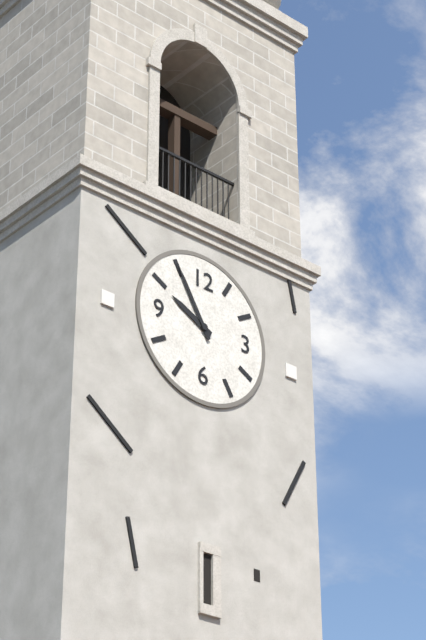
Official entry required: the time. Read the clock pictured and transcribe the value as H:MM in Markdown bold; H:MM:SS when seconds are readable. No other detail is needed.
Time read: **9:55**
